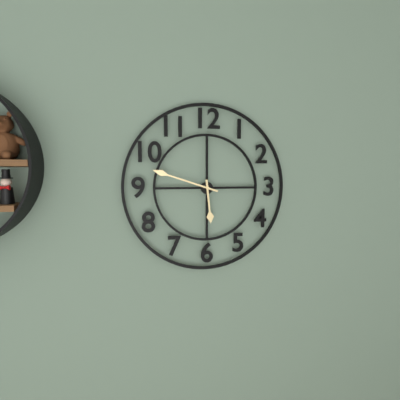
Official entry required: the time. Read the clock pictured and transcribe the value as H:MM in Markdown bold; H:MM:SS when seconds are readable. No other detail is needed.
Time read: **5:48**
